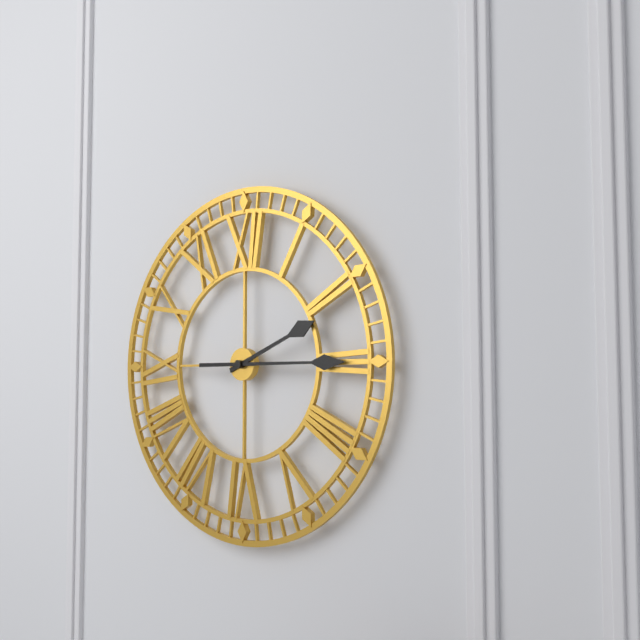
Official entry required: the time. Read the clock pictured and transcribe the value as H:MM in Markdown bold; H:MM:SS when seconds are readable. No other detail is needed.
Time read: **2:15**
